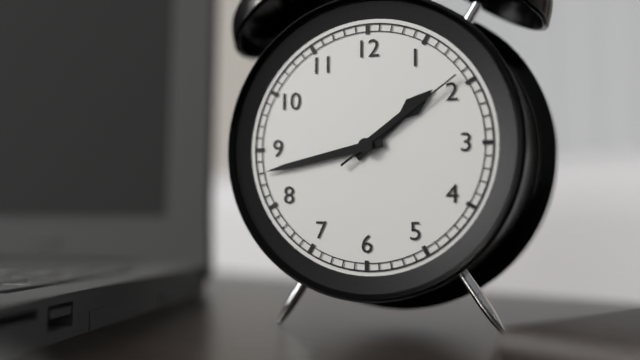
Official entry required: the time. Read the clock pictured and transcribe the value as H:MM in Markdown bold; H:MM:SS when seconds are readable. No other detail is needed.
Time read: **1:43:09**
